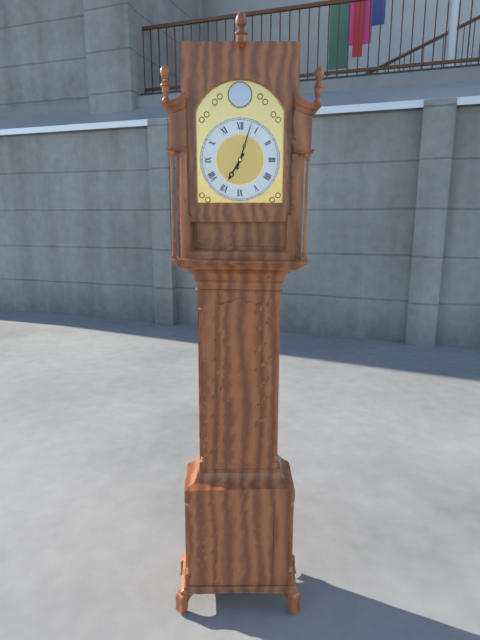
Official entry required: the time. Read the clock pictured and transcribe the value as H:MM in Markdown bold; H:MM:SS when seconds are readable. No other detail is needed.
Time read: **7:03**
